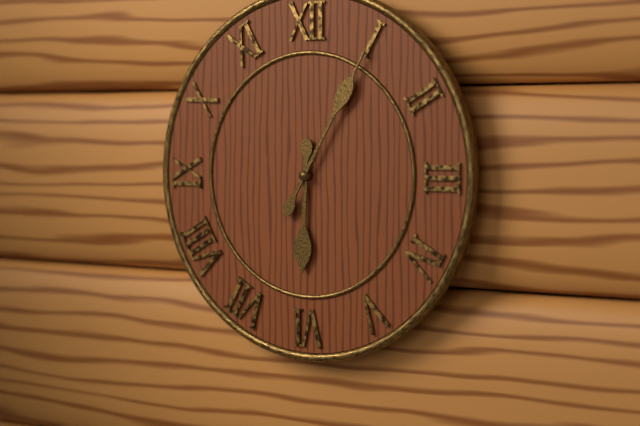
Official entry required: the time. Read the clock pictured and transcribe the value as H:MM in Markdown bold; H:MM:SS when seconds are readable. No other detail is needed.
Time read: **6:05**
